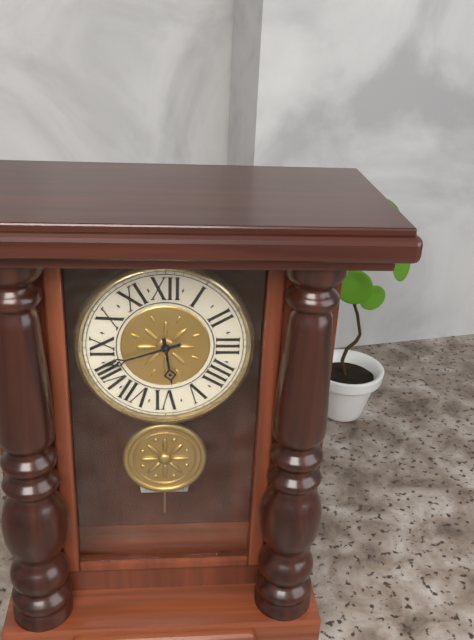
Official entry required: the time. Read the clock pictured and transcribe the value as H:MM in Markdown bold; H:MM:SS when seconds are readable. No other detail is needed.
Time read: **5:42**
